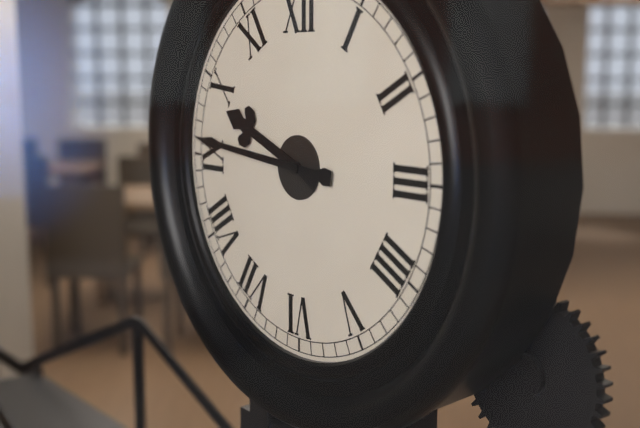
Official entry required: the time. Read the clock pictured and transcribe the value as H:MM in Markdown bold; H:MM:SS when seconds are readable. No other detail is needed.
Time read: **9:46**
